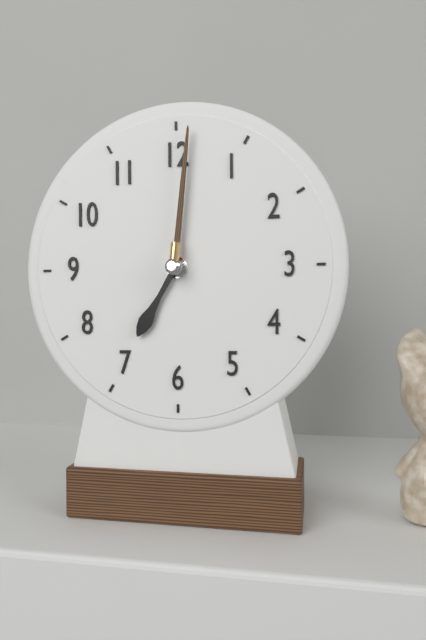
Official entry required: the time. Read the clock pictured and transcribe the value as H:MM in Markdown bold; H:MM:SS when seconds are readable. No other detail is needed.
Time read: **7:01**
